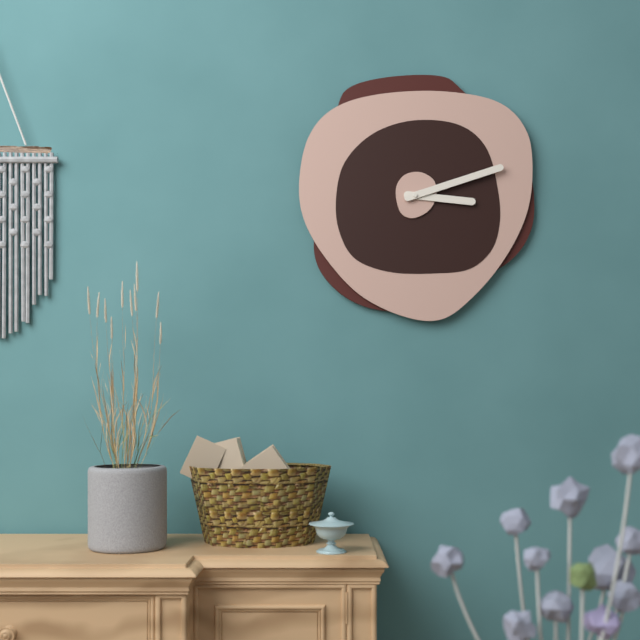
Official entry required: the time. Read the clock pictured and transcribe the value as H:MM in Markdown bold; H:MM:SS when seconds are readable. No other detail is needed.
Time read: **3:12**
